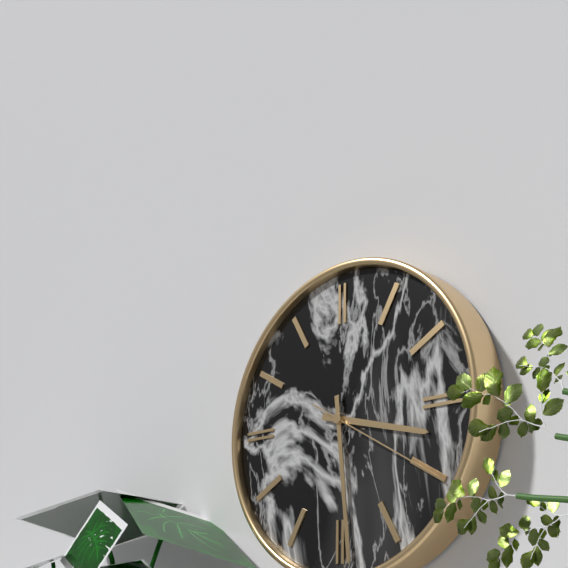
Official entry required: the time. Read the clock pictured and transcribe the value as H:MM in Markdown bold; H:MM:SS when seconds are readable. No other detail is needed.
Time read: **3:29:20**
